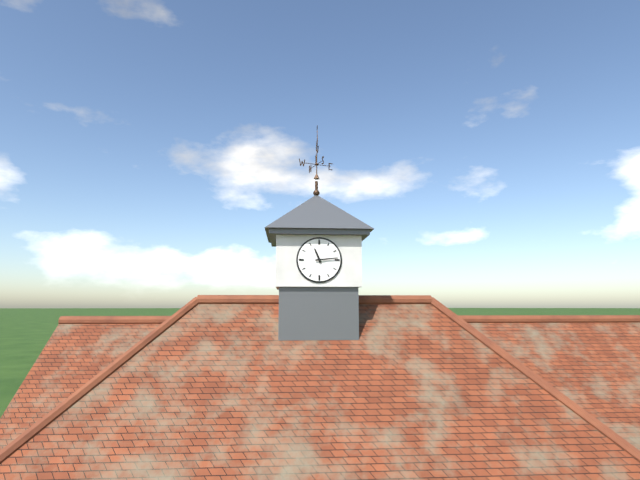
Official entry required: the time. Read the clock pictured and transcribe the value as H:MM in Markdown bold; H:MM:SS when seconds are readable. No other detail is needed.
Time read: **11:14**
